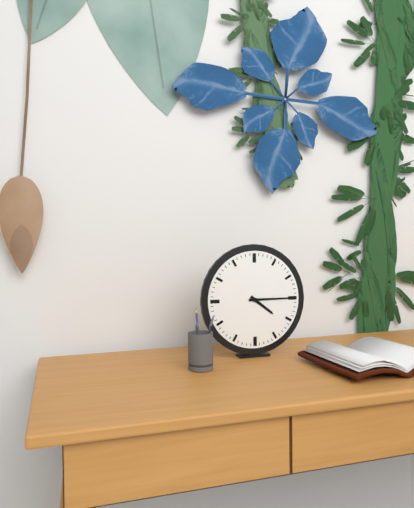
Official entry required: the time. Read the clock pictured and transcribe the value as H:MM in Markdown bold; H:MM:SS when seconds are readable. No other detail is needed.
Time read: **4:15**
